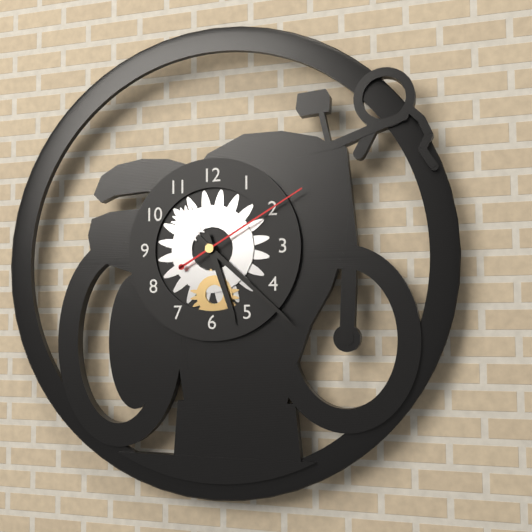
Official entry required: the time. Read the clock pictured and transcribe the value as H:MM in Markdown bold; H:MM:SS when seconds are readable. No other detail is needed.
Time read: **5:22:10**
